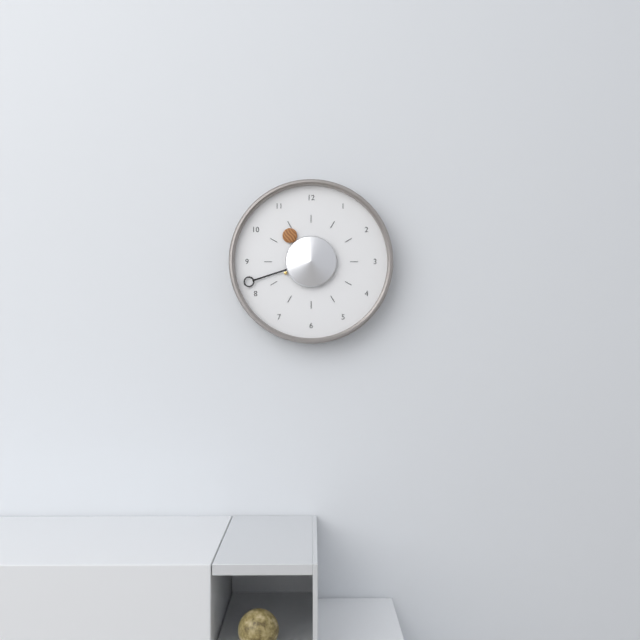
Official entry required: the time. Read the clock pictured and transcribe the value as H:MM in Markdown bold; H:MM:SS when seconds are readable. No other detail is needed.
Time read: **10:42**
